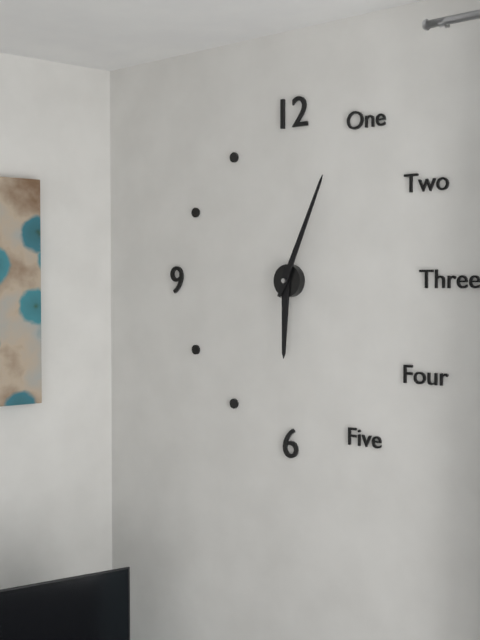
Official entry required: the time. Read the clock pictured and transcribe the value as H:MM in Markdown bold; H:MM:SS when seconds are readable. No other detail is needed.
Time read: **6:04**
